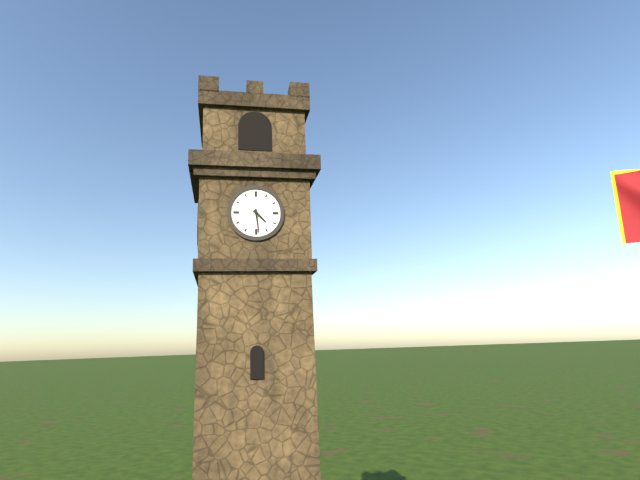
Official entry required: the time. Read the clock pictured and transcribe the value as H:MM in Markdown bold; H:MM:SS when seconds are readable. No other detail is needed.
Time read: **4:29**
